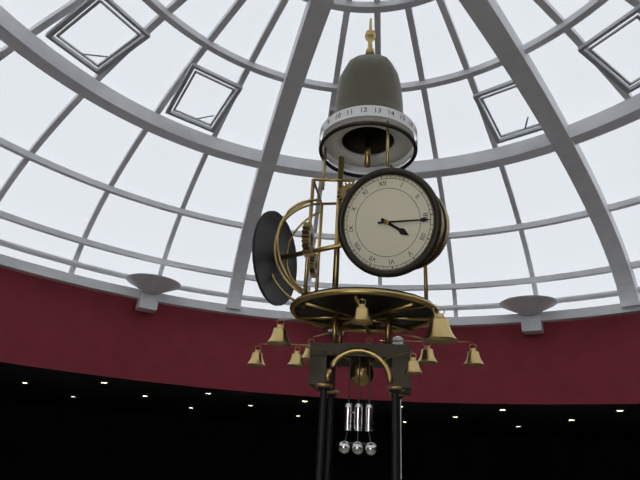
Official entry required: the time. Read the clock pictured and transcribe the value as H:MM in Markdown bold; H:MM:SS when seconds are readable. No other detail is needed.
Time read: **4:16**
